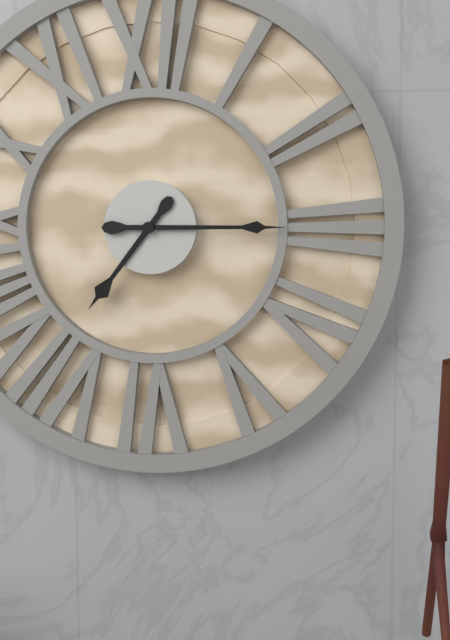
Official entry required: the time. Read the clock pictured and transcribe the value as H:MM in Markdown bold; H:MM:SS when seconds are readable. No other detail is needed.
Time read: **7:15**
